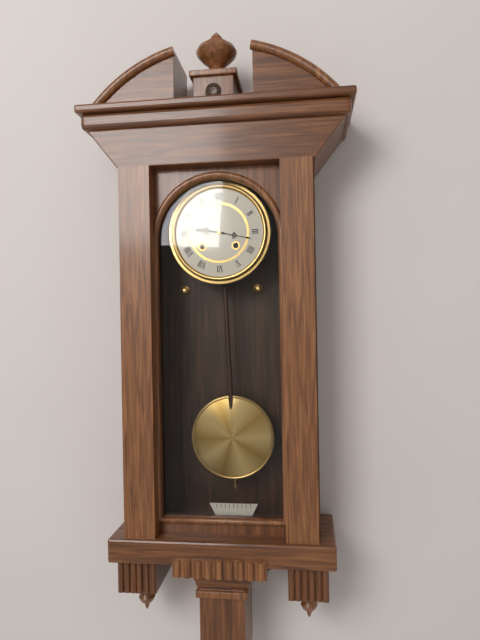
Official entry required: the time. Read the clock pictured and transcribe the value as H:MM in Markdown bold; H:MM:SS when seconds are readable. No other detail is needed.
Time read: **9:17**
